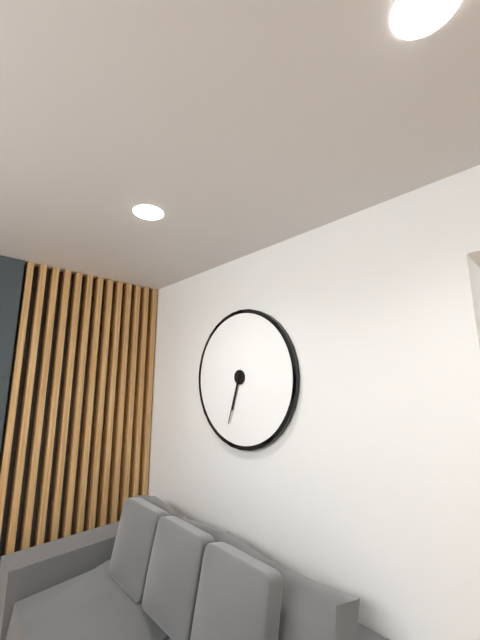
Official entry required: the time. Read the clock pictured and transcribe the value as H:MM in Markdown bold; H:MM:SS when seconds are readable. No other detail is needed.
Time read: **6:33**
